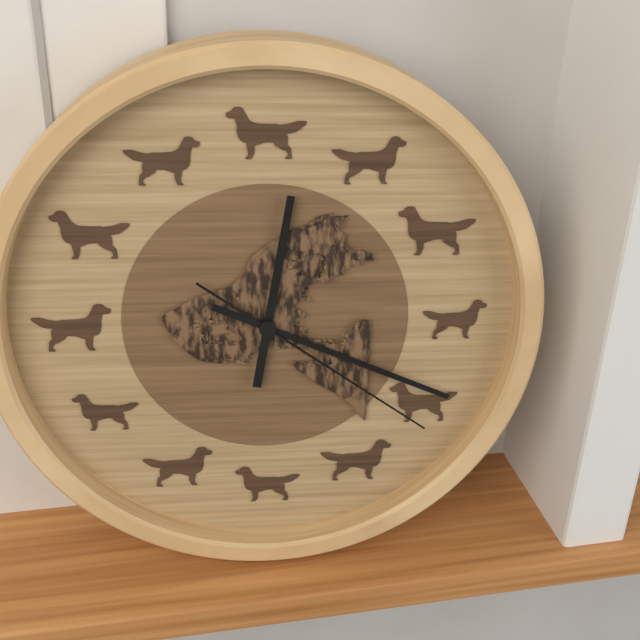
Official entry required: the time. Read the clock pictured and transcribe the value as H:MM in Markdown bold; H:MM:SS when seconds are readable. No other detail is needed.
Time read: **12:19:21**
